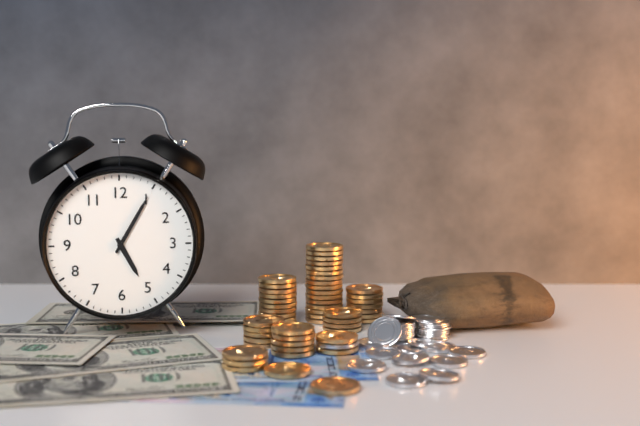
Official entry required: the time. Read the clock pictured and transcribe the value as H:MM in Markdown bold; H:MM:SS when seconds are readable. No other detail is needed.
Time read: **5:05**
